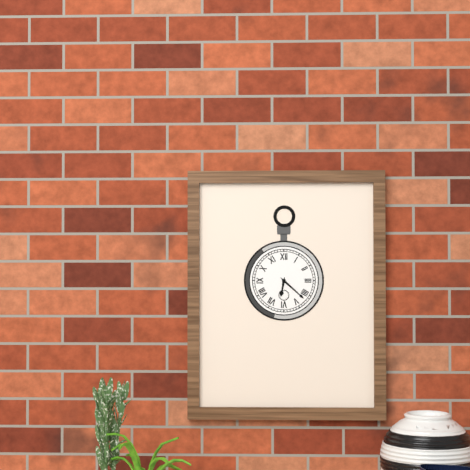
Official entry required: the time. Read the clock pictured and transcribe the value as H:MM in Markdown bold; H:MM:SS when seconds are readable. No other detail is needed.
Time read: **6:22**
